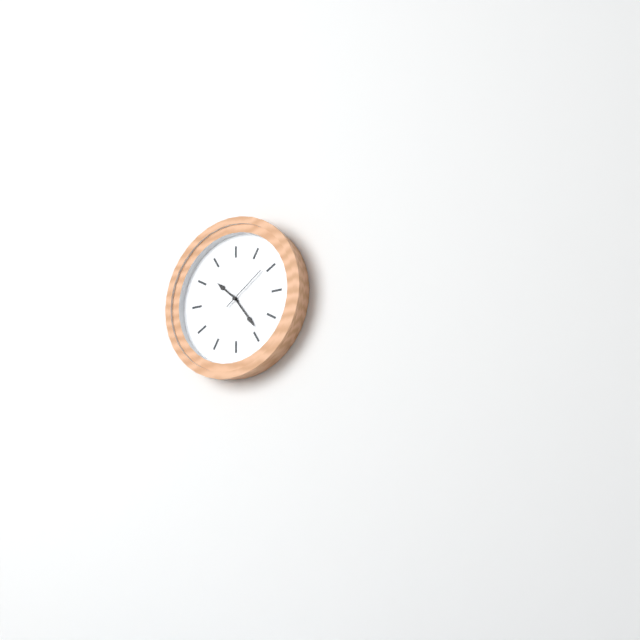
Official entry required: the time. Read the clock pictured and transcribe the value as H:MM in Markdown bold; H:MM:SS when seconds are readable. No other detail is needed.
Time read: **10:24**
